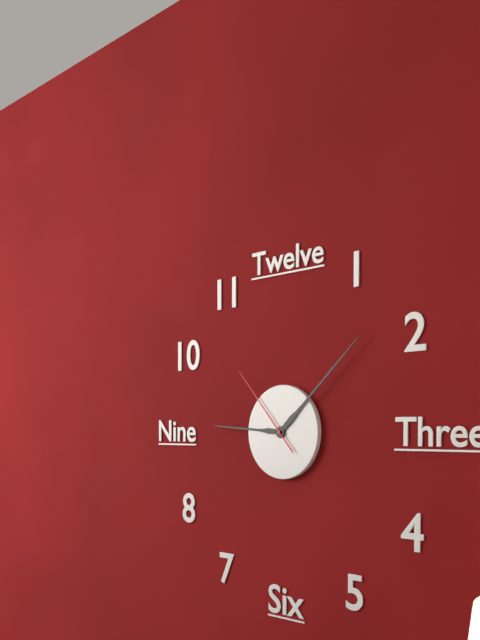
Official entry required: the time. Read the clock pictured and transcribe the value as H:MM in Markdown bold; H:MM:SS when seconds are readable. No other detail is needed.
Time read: **9:08:53**
